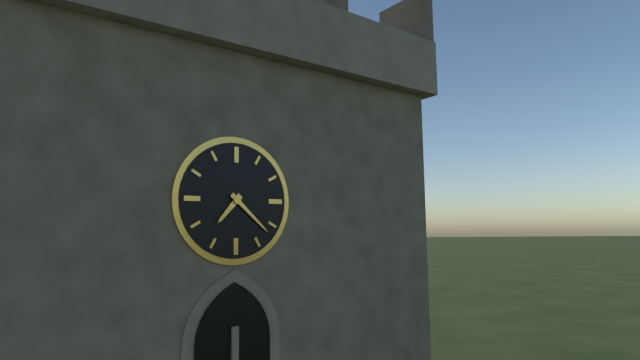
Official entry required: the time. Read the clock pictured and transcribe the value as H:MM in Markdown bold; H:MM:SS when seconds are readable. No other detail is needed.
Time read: **7:22**
